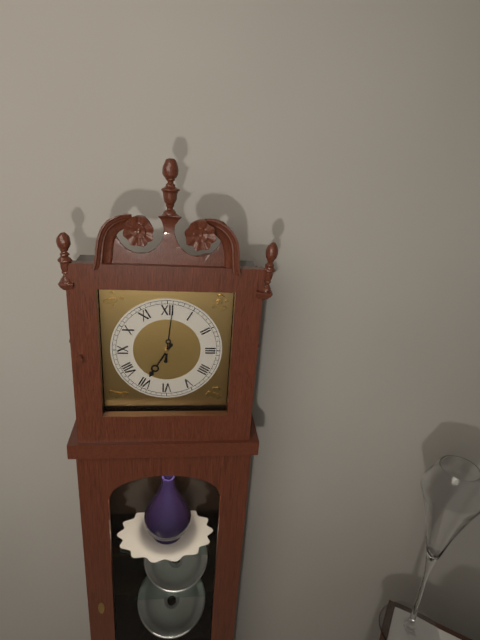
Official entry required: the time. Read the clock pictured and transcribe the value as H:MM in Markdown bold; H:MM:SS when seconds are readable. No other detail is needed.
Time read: **7:01**
